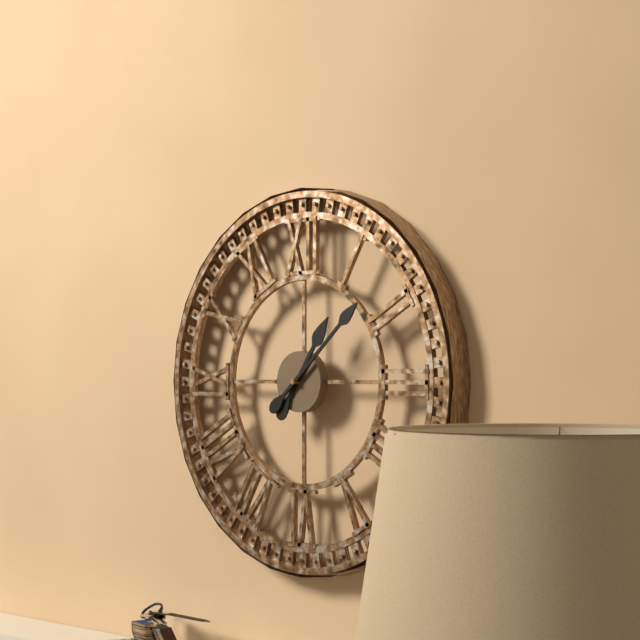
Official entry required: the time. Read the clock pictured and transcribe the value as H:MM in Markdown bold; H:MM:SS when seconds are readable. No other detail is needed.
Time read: **1:08**
